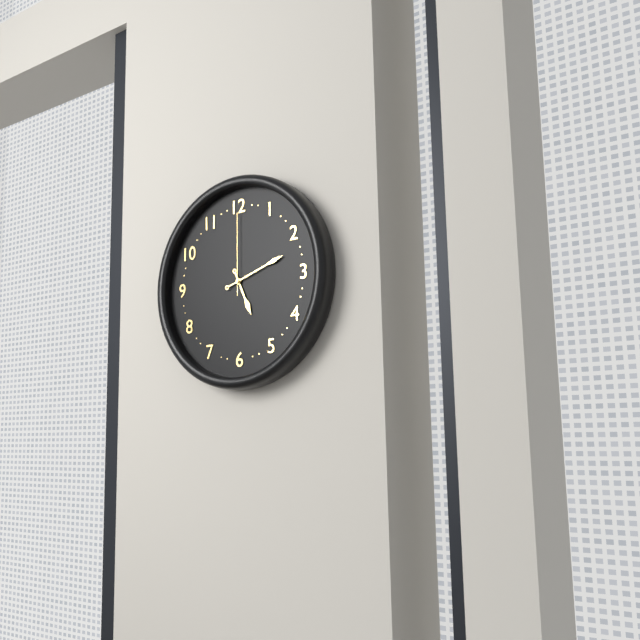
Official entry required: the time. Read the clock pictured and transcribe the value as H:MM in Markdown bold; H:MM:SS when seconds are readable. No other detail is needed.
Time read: **5:12:00**
